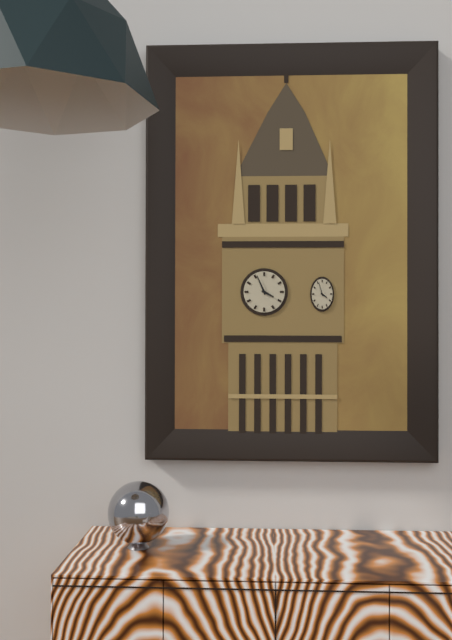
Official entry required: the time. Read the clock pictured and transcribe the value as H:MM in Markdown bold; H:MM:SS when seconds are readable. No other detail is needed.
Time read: **3:56**
